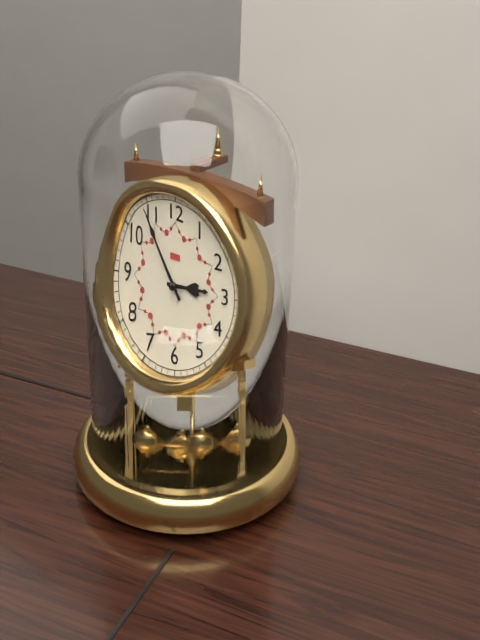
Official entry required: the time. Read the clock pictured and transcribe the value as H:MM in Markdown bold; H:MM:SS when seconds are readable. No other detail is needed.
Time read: **2:54**
